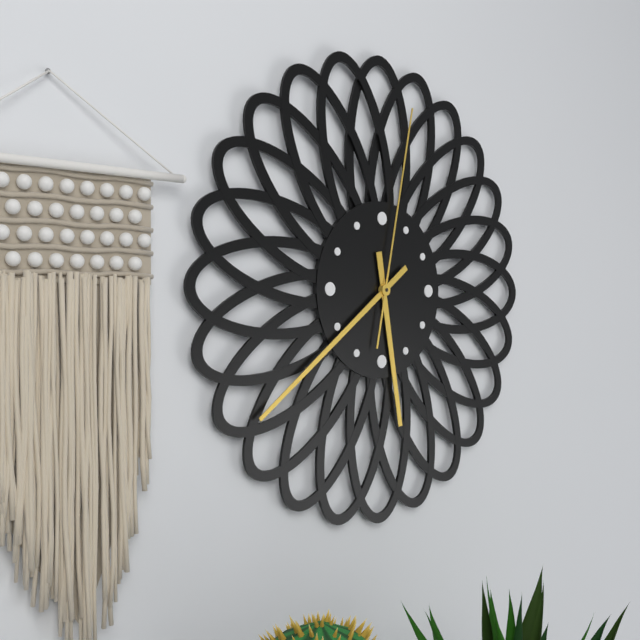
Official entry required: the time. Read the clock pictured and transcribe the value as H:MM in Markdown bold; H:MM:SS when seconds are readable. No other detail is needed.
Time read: **5:39:02**
